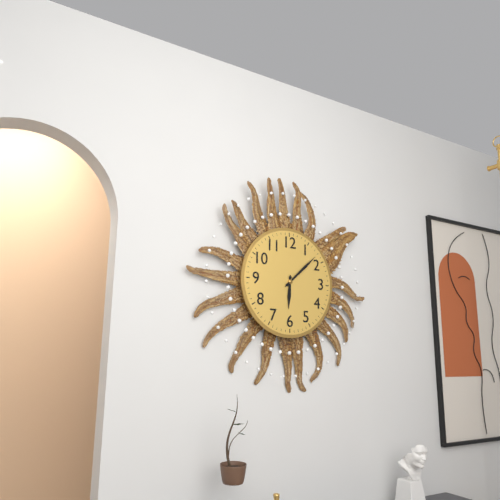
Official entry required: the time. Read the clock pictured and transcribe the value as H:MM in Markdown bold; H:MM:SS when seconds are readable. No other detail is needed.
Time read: **6:08**
